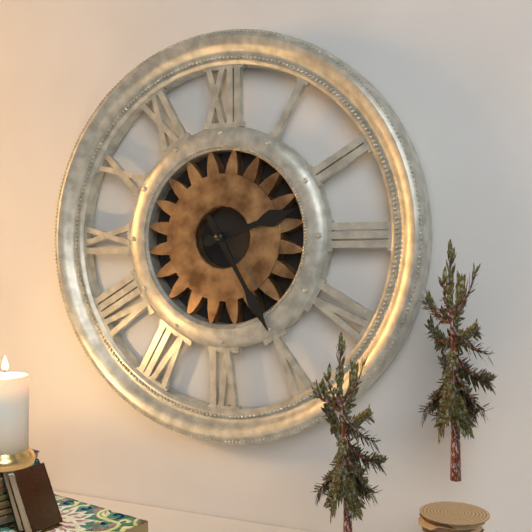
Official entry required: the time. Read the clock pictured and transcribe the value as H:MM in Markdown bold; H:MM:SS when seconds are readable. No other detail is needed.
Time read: **2:25**
